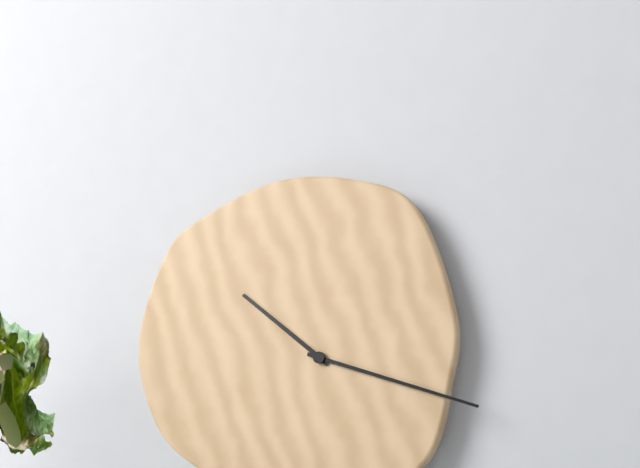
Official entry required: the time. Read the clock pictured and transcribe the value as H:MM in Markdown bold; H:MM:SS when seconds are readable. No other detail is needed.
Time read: **10:18**
